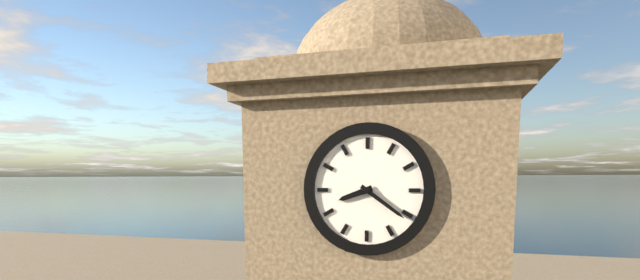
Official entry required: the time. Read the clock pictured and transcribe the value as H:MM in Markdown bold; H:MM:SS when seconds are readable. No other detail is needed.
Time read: **8:21**
